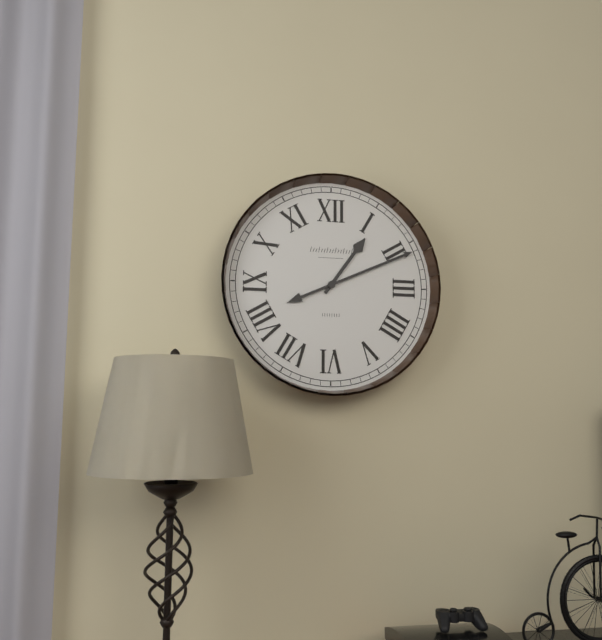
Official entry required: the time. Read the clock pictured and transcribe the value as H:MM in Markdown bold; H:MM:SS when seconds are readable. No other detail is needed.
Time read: **1:11**
